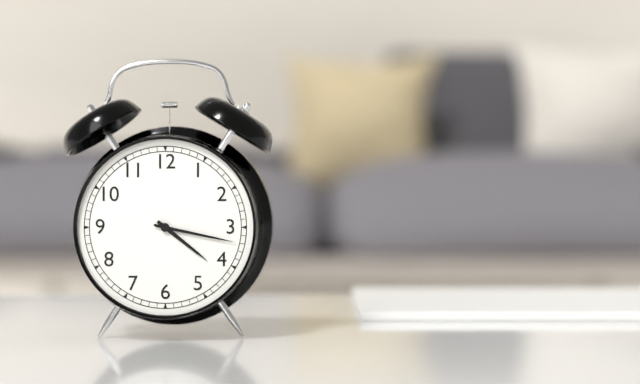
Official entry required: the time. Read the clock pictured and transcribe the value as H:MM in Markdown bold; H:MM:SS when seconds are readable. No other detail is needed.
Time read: **4:17**
